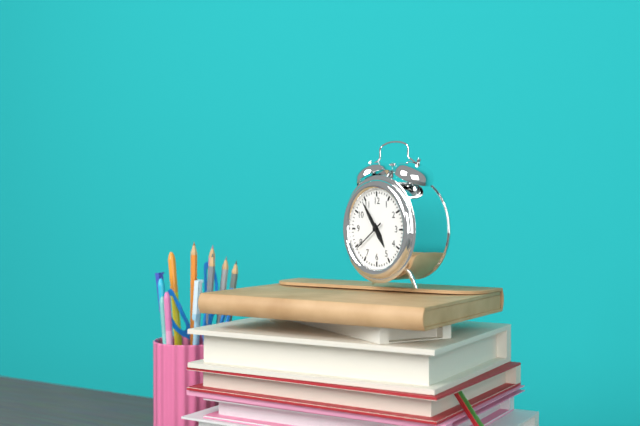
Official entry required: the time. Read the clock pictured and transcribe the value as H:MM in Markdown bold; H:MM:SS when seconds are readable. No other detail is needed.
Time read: **4:54**
